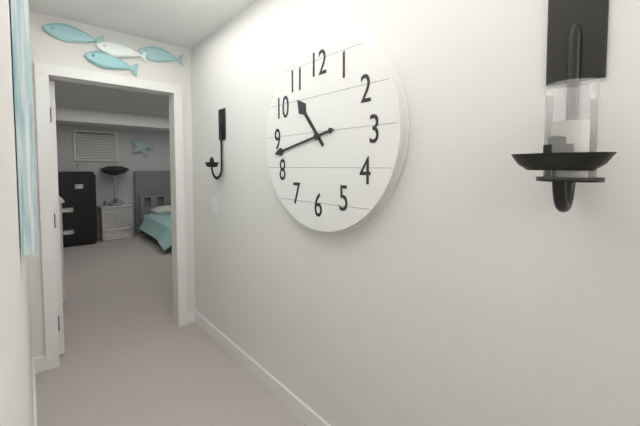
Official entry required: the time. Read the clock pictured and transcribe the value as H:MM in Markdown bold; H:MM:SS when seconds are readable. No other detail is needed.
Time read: **10:43**
